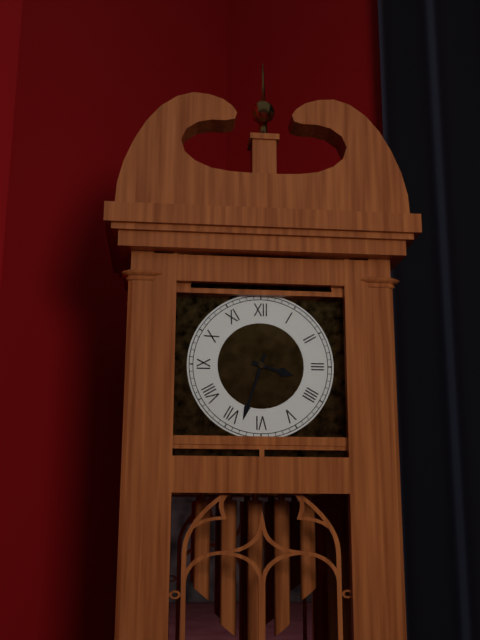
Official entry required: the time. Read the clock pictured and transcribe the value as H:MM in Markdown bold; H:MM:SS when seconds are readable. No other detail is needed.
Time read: **3:33**
